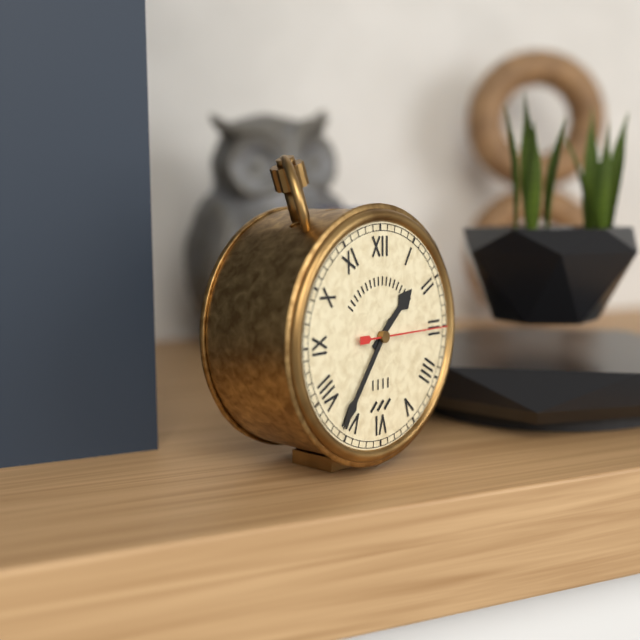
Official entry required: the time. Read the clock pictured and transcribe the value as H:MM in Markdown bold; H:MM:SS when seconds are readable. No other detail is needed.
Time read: **1:36:15**
